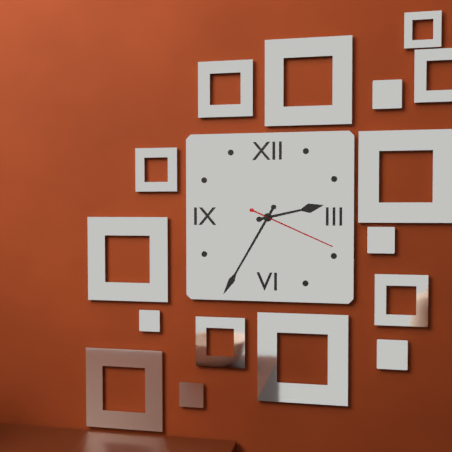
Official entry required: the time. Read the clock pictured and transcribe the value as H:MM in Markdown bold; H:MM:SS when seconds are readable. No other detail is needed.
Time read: **2:35:19**
